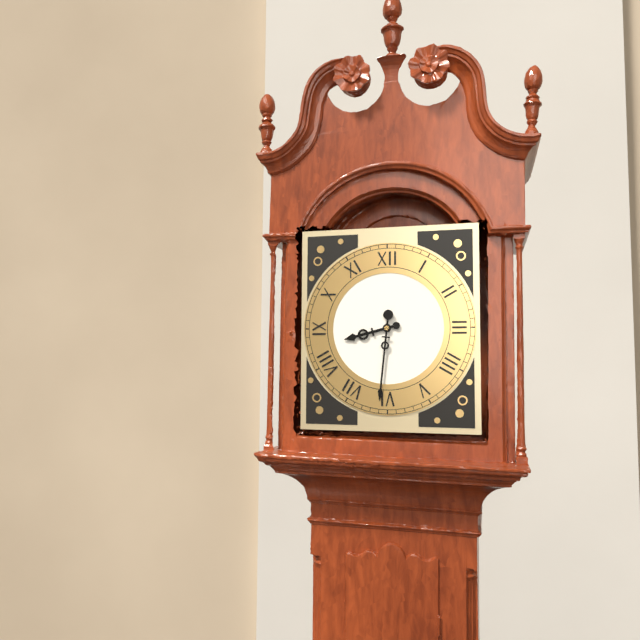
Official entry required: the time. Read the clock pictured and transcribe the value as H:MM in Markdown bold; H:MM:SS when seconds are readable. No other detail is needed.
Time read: **8:31**
